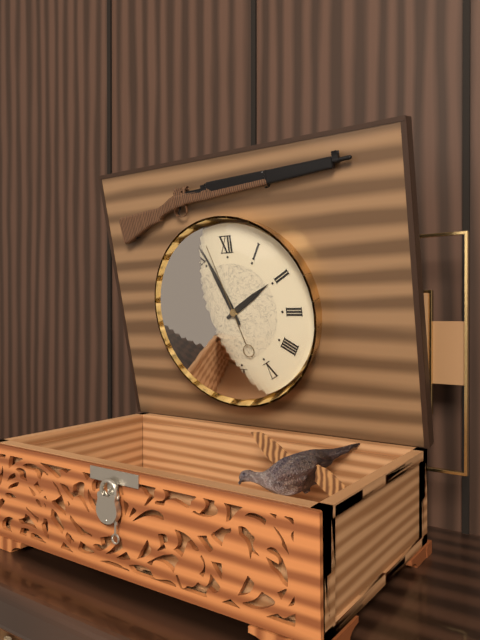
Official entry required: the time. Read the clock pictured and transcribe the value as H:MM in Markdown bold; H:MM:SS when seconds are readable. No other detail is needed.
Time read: **1:56:57**
